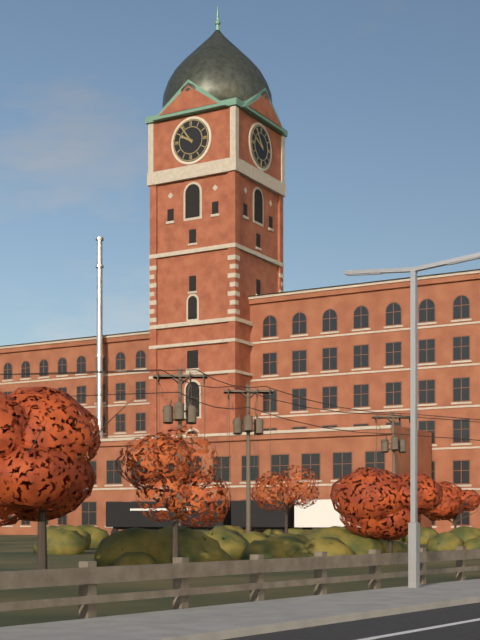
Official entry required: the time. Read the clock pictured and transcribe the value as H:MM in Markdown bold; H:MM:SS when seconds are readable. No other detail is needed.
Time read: **9:54**
